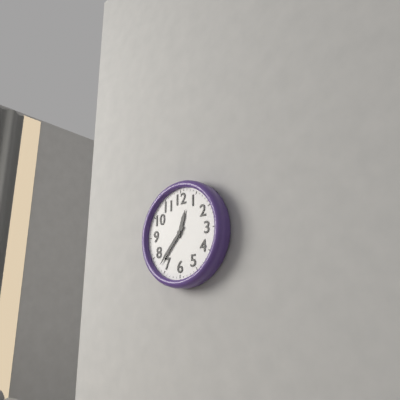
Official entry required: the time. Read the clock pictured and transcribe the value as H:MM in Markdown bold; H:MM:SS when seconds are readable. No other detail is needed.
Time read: **12:37**
